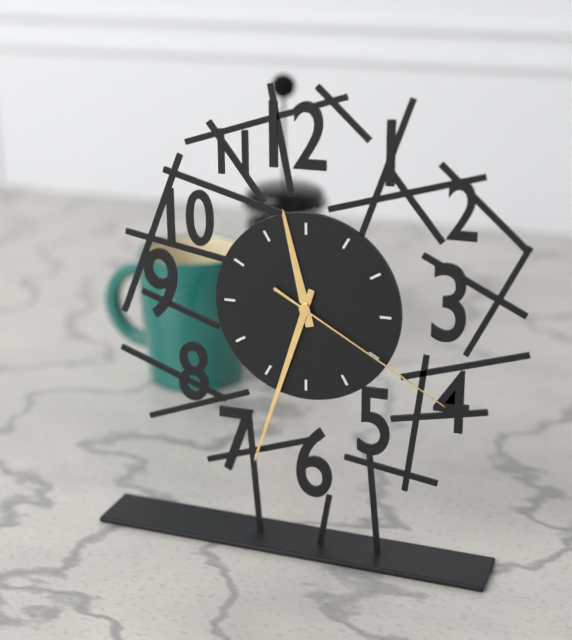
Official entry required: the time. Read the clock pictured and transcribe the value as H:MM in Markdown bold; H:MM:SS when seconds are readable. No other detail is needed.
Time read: **11:33:20**
